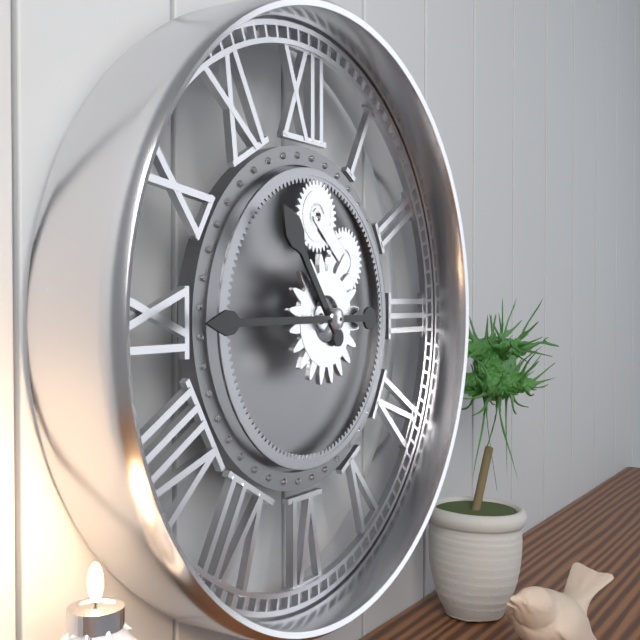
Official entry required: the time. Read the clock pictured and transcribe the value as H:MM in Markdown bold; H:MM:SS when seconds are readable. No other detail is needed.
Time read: **10:45**
